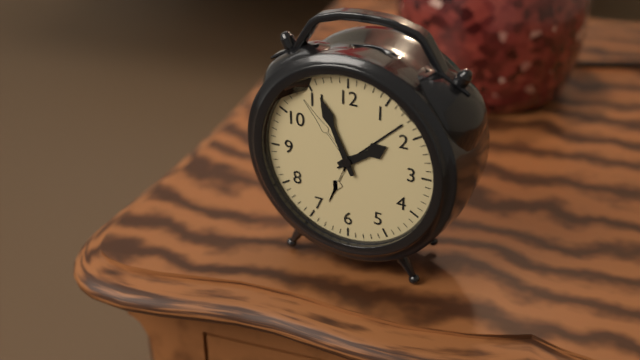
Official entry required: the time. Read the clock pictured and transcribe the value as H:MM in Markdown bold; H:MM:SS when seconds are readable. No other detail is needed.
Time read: **1:56**
